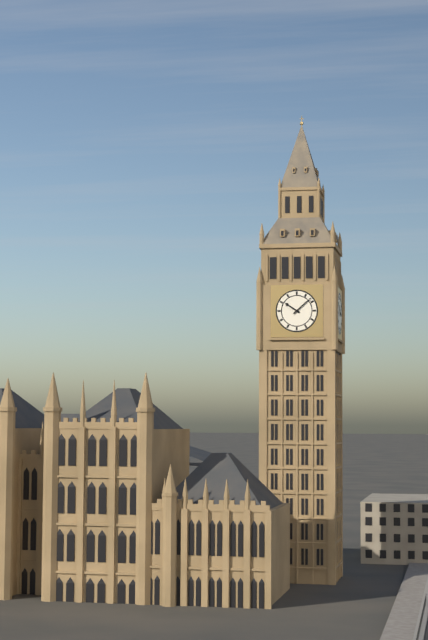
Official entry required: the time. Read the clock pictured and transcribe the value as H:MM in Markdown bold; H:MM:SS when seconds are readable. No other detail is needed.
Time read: **10:08**
